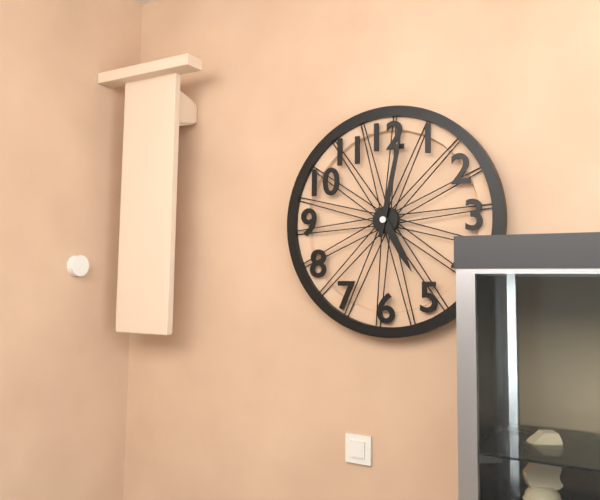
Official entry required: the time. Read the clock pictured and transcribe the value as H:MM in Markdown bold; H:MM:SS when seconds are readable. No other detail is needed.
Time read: **5:02**
